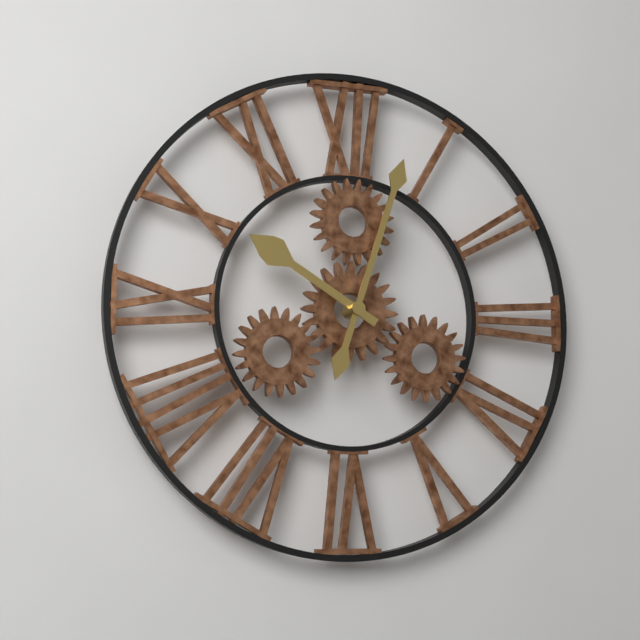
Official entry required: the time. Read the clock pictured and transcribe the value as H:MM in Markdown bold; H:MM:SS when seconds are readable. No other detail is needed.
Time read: **10:03**
